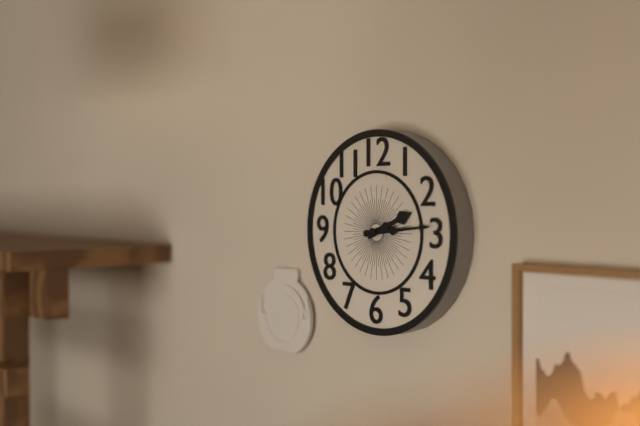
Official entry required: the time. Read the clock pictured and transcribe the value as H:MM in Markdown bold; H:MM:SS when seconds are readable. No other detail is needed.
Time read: **2:14**
